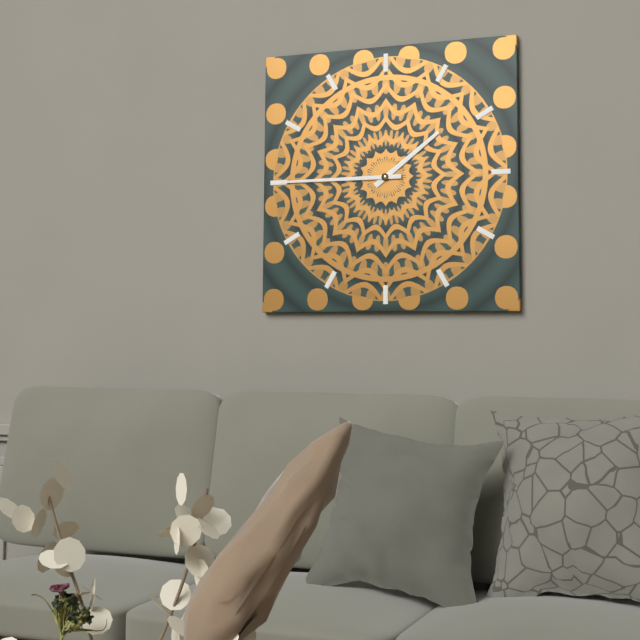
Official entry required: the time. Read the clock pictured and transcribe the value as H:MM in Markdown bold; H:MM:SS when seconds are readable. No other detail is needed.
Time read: **1:45**
